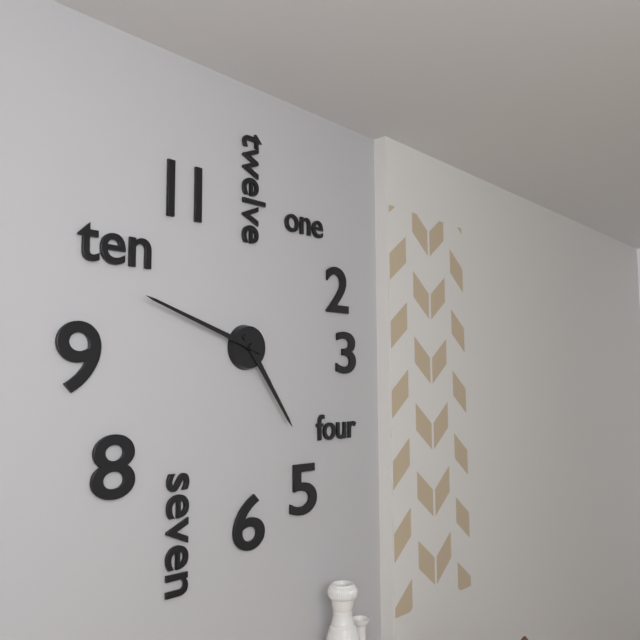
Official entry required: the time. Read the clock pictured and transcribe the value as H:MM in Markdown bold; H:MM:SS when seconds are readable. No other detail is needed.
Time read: **4:48**
